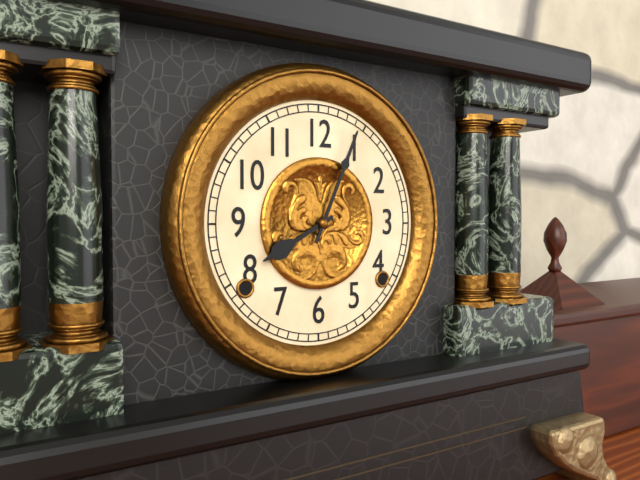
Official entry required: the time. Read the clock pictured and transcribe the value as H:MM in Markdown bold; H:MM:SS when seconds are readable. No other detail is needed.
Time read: **8:04**
